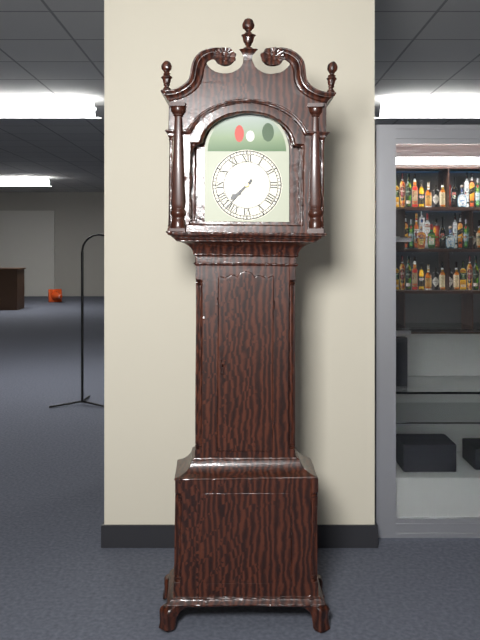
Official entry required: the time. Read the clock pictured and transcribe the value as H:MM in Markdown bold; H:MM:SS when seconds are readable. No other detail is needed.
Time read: **7:37**
